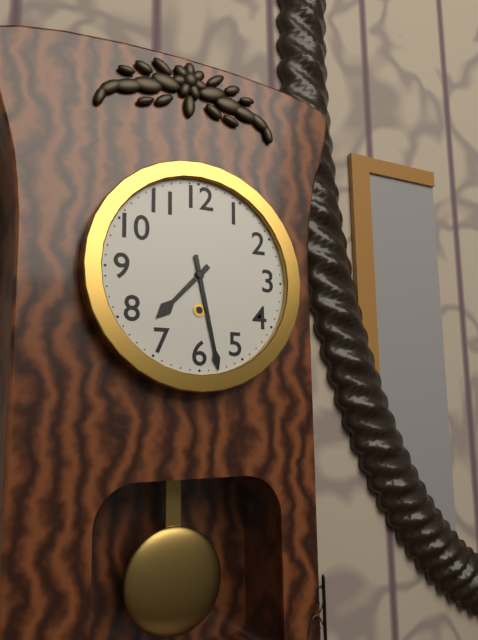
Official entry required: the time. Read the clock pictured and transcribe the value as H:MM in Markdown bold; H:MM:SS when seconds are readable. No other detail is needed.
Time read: **7:28**
